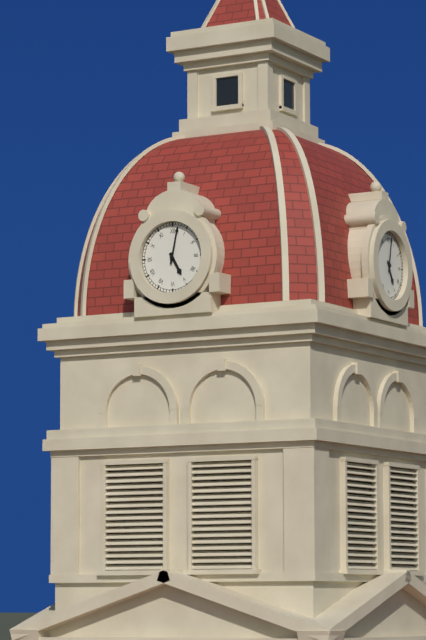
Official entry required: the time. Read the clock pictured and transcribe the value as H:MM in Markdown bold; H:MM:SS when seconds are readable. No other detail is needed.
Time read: **5:02**
